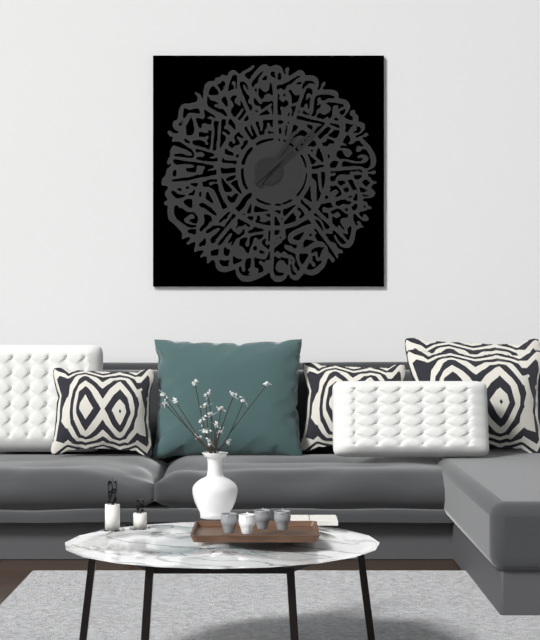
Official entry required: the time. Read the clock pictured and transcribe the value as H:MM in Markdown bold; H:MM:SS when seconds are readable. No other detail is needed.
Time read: **1:08**
